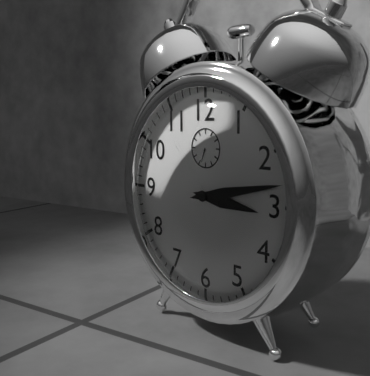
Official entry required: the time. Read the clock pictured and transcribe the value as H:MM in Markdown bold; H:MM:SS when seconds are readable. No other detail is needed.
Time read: **3:13**
